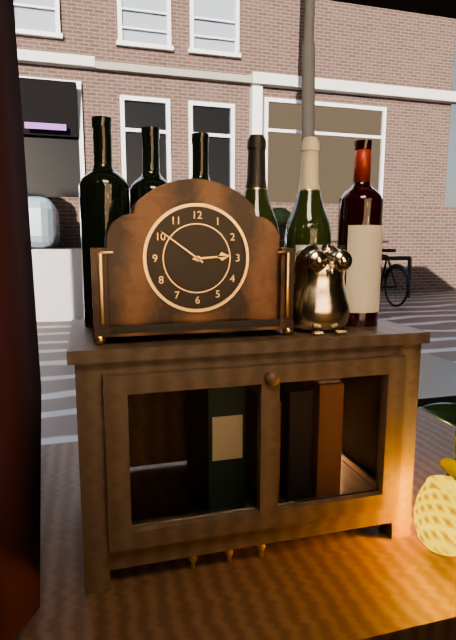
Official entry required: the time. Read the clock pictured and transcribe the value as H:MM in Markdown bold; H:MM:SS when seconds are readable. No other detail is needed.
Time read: **2:51**
